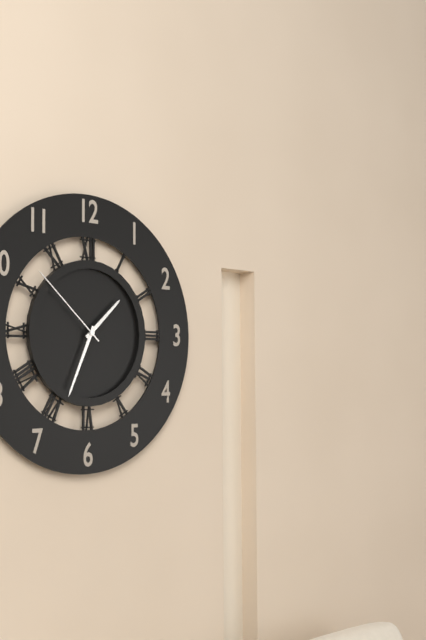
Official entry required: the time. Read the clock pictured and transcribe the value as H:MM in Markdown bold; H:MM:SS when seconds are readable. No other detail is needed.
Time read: **1:34:52**
